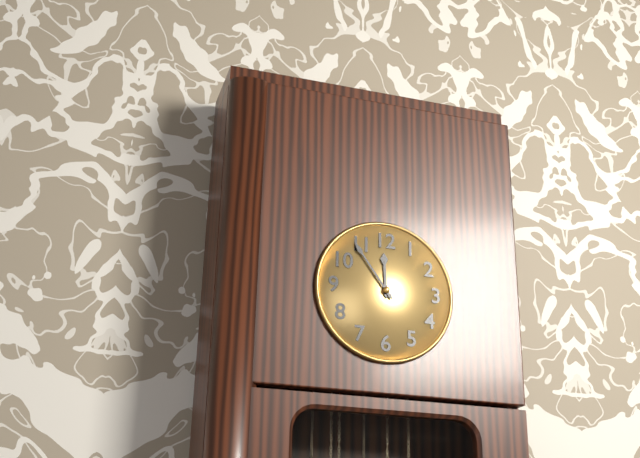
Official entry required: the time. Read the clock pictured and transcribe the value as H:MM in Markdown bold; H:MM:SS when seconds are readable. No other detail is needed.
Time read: **11:54**
